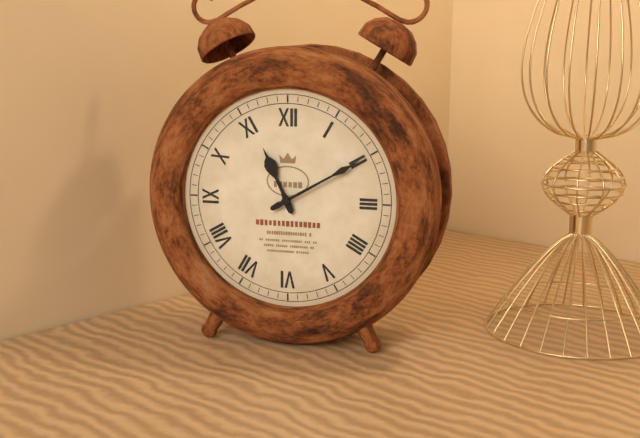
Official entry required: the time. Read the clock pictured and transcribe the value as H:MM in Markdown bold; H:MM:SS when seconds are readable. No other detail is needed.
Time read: **11:10**
